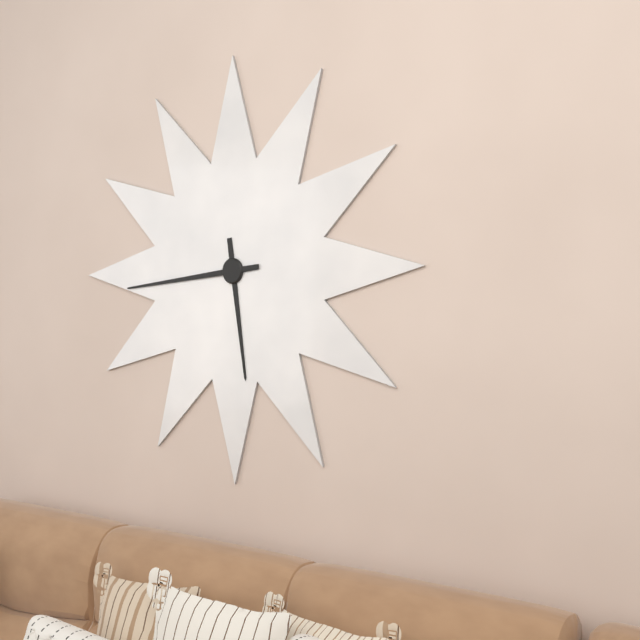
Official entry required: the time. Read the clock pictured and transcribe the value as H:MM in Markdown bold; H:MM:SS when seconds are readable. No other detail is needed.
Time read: **5:44**
